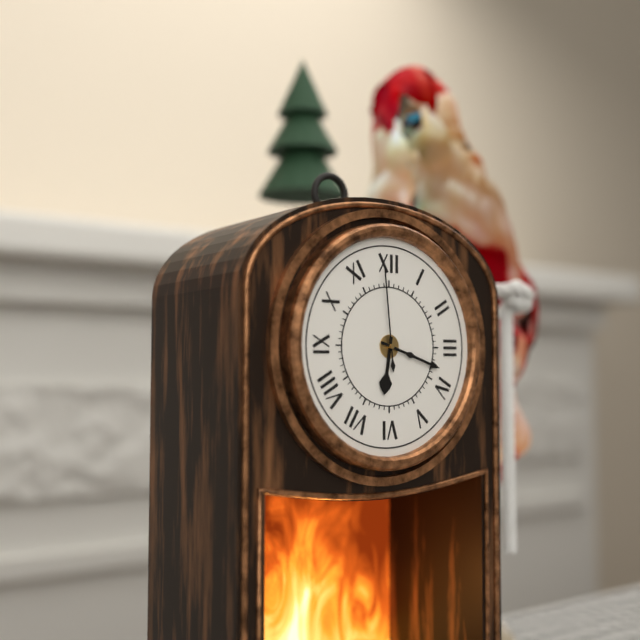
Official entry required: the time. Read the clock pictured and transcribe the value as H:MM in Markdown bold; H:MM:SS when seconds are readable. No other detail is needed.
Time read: **6:18:59**
